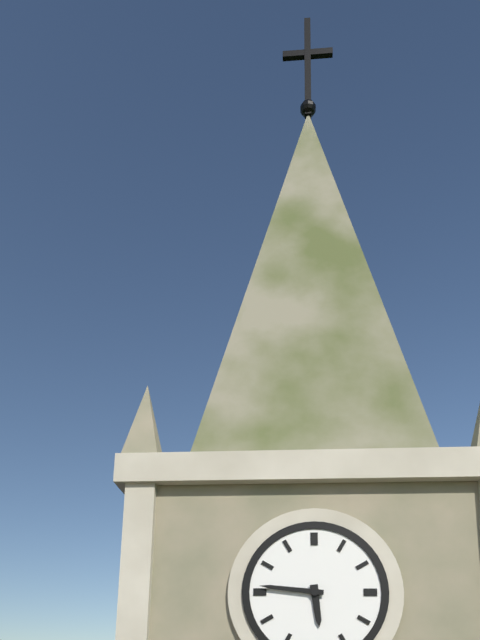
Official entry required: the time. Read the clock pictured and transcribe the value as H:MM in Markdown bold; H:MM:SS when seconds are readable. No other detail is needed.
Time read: **5:46**
